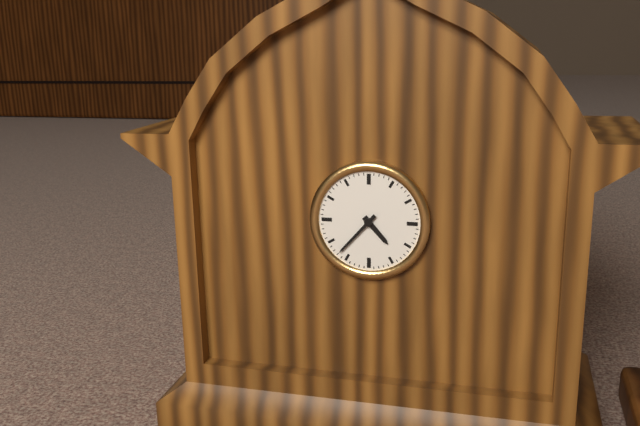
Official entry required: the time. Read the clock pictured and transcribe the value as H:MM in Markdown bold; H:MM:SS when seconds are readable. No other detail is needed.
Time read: **4:37**
